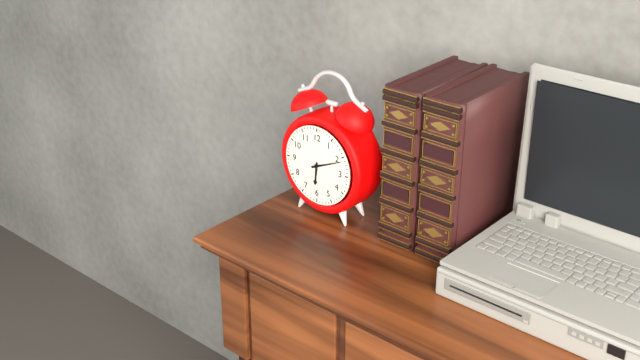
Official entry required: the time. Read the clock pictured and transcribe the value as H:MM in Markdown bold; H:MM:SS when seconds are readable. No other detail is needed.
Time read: **6:11**
